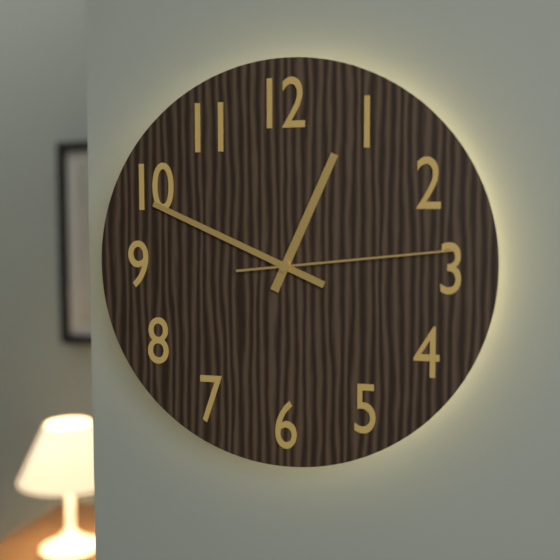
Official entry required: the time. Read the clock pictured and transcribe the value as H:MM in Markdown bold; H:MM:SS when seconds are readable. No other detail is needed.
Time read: **12:49:14**
